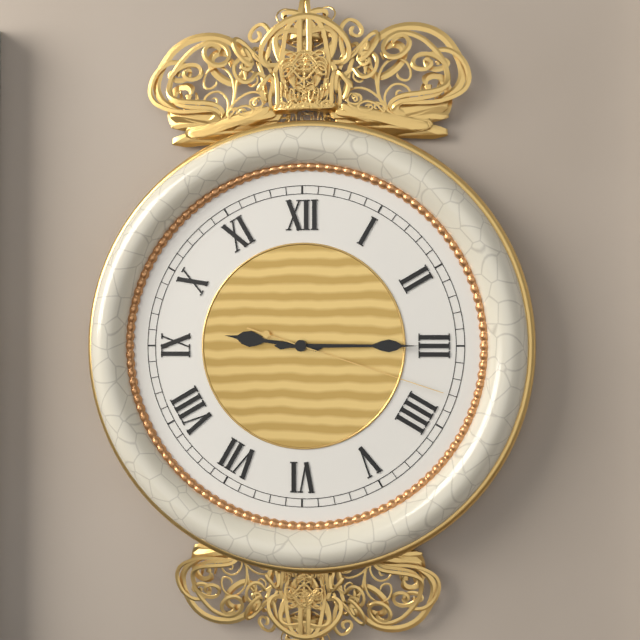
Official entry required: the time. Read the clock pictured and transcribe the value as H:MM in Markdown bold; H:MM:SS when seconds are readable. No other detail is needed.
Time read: **9:15:18**
